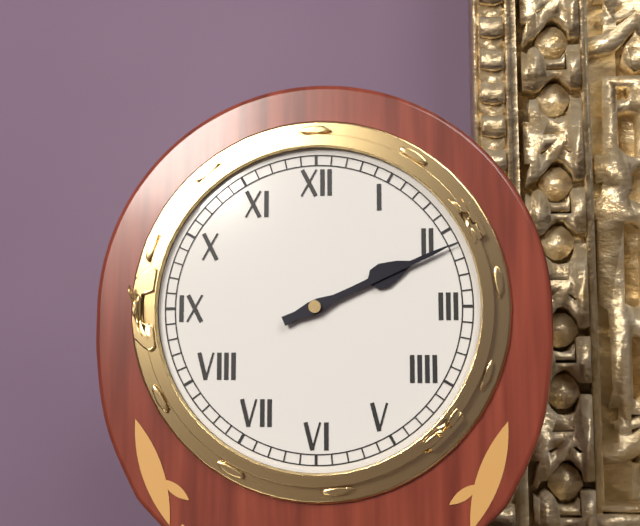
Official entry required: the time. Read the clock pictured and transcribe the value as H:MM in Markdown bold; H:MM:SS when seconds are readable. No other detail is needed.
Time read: **2:11**
